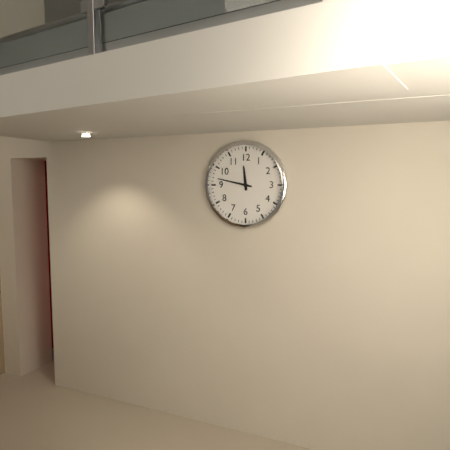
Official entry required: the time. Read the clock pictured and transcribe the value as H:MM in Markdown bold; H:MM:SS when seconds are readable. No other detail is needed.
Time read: **11:47**
